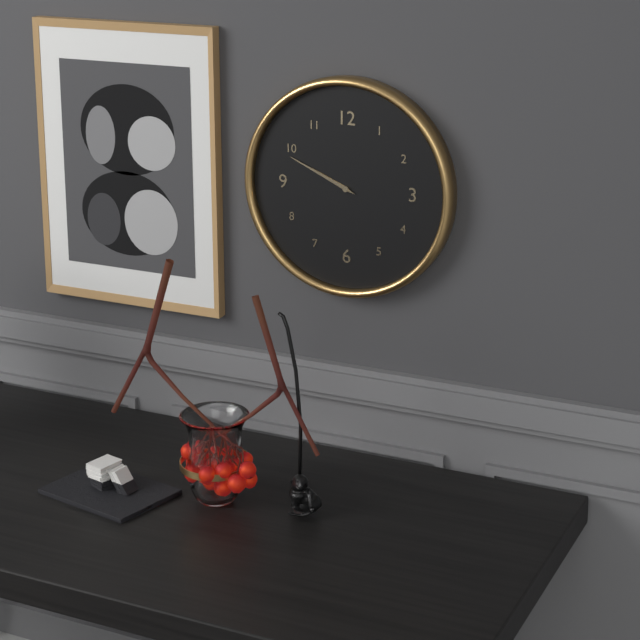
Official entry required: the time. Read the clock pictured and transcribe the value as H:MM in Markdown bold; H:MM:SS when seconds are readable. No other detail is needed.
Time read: **9:49**
